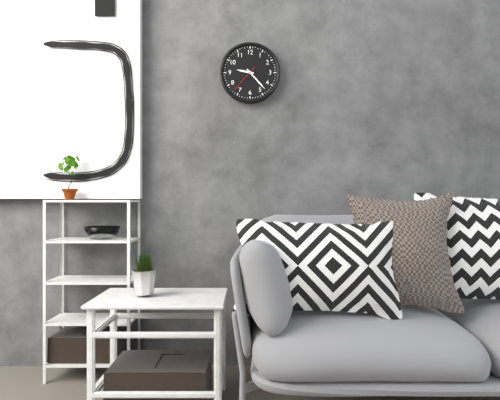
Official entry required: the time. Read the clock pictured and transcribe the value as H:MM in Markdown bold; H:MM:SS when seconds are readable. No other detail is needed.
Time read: **9:23**
